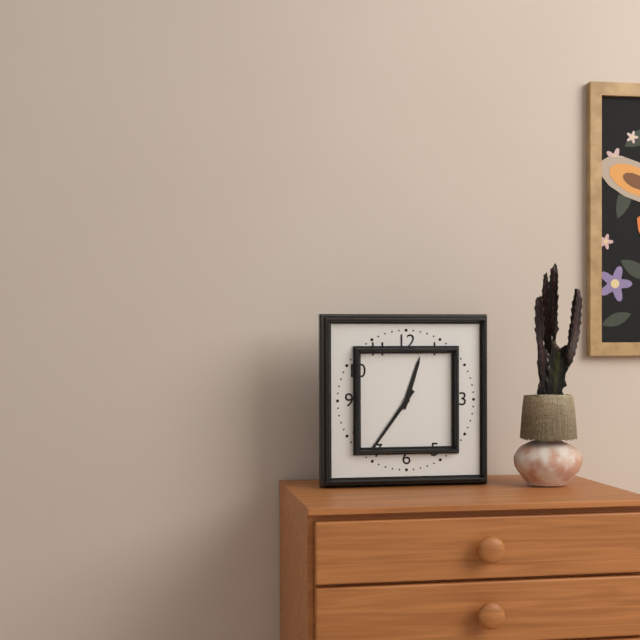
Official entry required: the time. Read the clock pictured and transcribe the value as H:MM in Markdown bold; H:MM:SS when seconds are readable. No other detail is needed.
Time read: **12:36**
